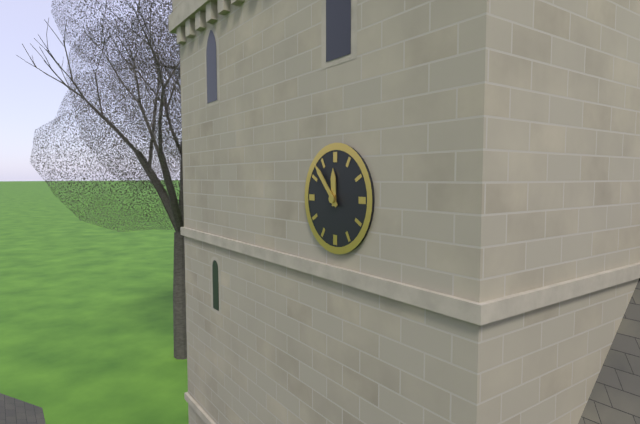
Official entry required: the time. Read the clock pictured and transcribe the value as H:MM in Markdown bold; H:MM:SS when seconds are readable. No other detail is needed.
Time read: **11:53**
